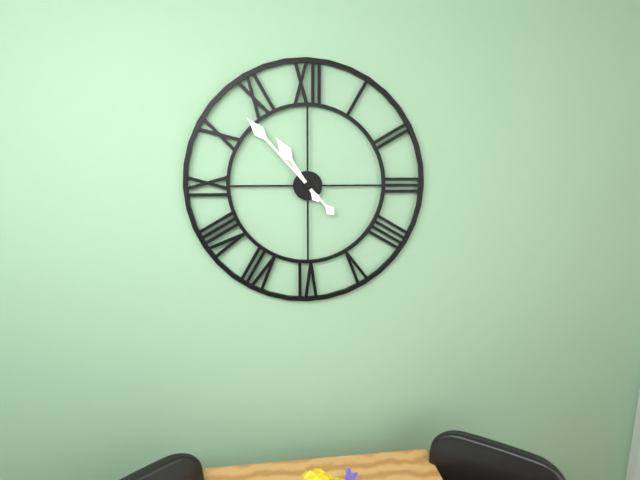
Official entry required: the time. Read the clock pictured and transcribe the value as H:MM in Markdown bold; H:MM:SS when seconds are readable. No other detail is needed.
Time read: **10:53**
